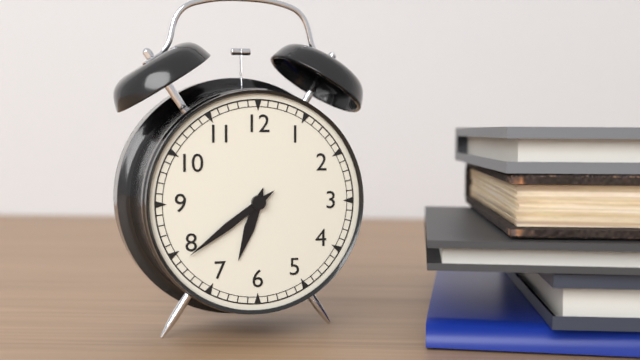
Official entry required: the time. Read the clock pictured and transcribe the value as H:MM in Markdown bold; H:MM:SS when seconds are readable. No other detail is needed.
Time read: **6:39**
